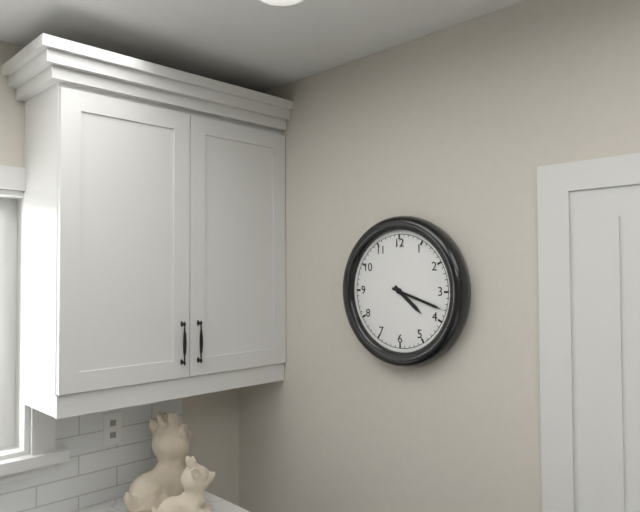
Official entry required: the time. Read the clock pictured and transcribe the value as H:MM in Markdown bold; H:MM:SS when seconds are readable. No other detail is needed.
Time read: **4:18**
